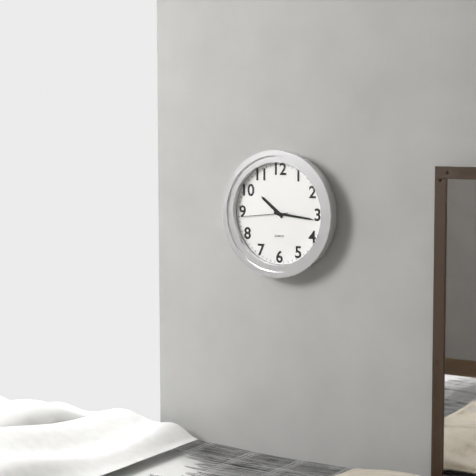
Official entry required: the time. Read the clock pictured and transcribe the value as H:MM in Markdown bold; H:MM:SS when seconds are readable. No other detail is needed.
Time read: **10:16**
